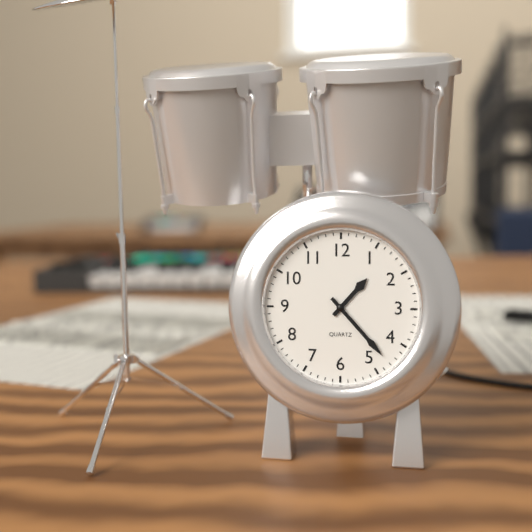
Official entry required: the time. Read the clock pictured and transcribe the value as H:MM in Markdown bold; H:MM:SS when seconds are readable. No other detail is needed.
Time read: **1:23**
